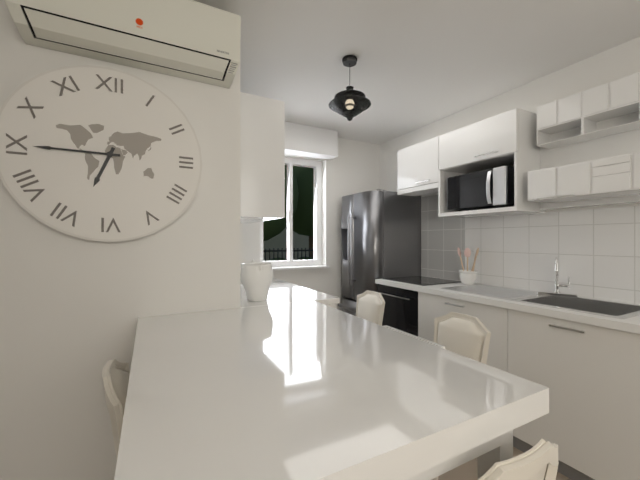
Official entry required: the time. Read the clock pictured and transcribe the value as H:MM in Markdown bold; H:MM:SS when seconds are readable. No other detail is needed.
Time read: **6:45**
